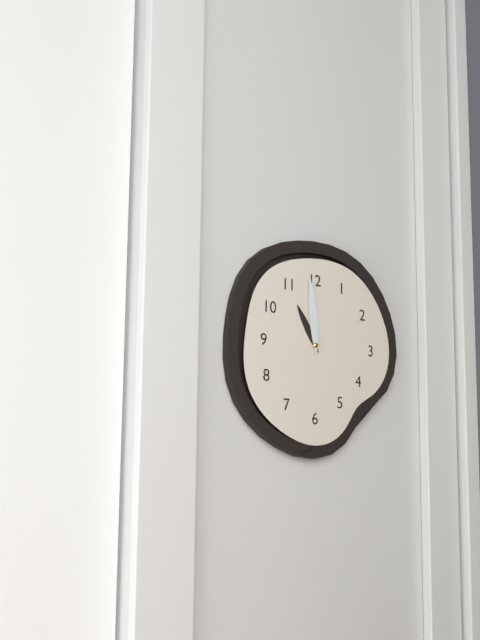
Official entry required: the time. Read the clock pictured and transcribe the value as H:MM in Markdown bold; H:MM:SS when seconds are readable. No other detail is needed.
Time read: **10:59**
